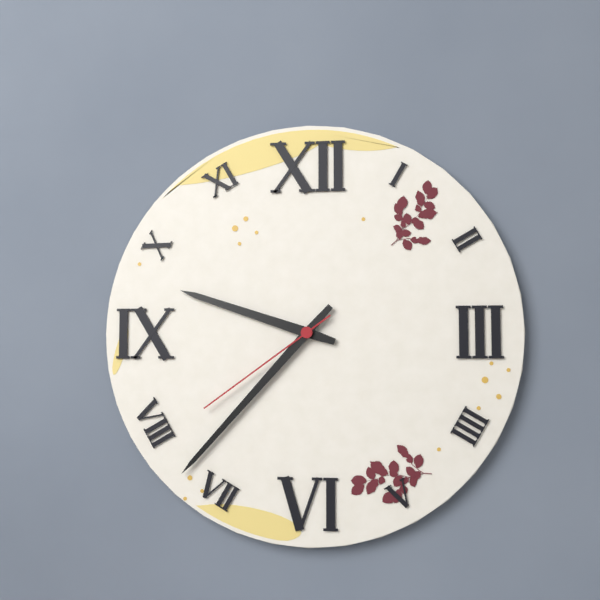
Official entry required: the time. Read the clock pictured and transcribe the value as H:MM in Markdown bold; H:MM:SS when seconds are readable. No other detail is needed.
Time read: **9:37:39**
